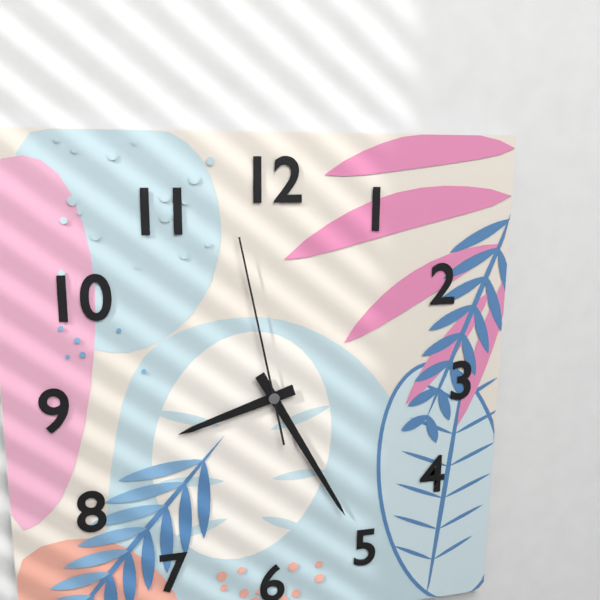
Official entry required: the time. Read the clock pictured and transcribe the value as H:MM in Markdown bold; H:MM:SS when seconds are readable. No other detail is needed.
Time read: **8:25:58**
